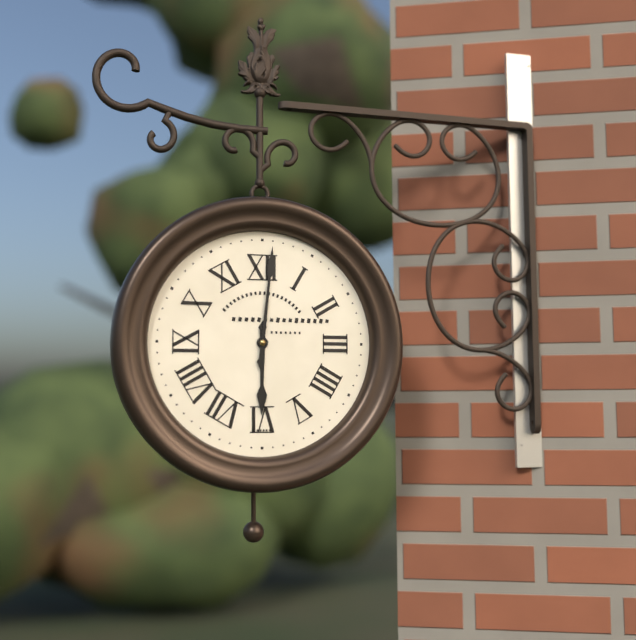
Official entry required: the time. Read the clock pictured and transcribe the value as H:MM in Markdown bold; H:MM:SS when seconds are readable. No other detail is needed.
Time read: **6:01**
